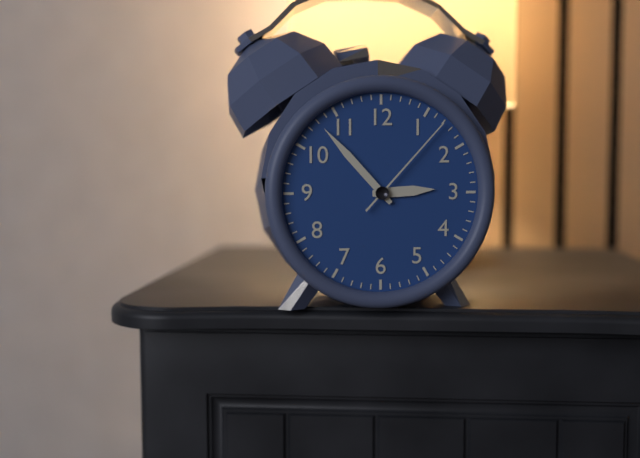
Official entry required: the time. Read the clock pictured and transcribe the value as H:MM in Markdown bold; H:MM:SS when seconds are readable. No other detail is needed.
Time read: **2:53:07**
